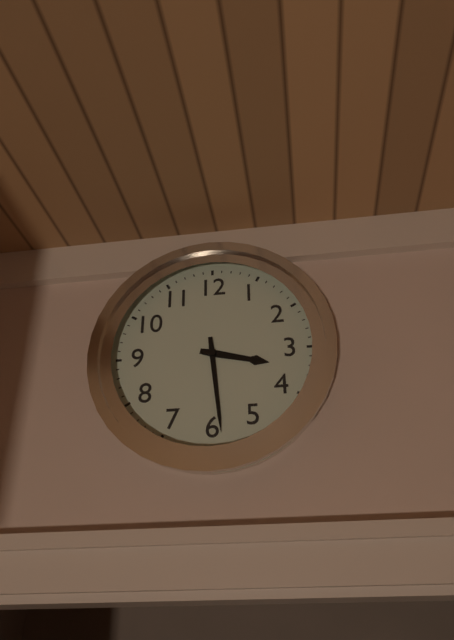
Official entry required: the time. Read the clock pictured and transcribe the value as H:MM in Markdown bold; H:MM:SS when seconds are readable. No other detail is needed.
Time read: **3:29**
